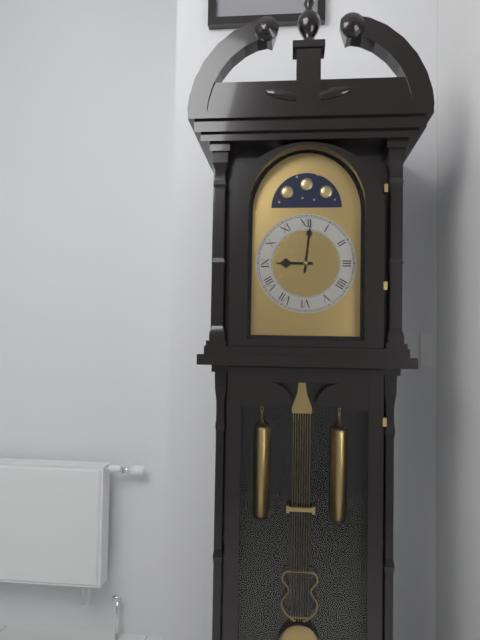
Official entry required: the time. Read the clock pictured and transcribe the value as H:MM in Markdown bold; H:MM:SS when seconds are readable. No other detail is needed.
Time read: **9:01**
